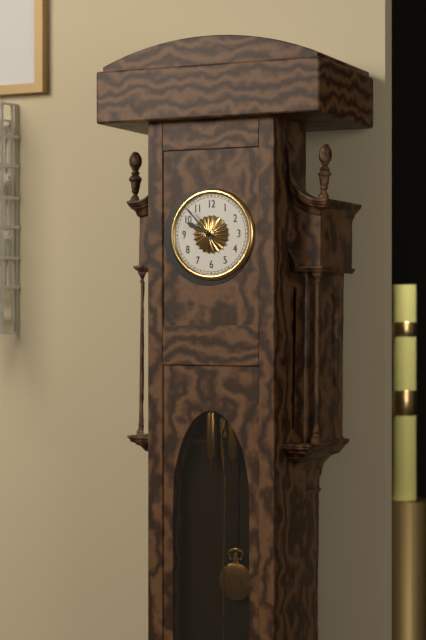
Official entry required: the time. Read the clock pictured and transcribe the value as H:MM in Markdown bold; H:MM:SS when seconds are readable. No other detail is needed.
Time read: **9:53**
